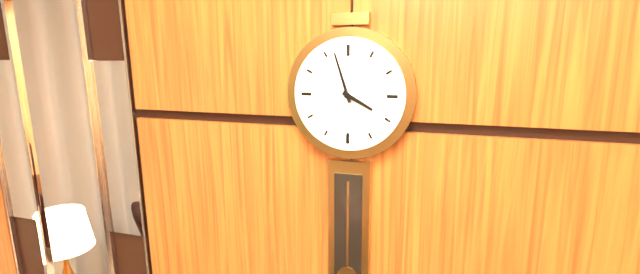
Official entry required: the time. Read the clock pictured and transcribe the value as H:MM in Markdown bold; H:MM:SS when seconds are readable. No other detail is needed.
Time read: **3:57**
